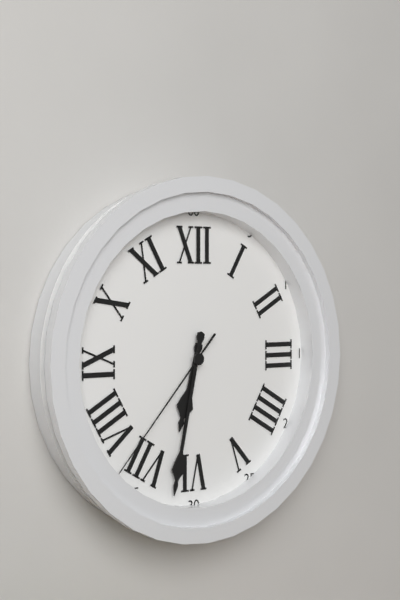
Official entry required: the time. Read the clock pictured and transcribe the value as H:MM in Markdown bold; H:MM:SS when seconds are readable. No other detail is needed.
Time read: **6:32:37**
